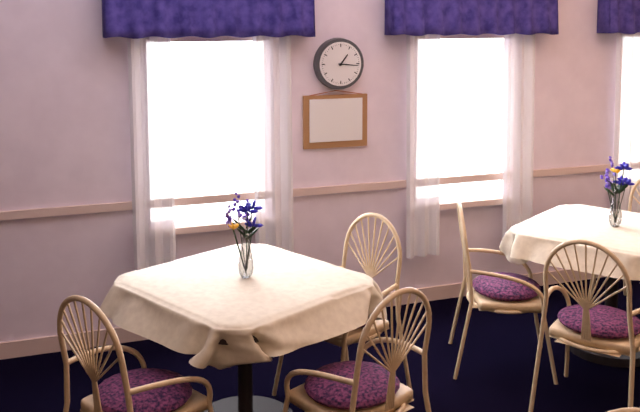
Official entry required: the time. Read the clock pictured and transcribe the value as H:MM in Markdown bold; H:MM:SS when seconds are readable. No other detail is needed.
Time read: **1:16**
